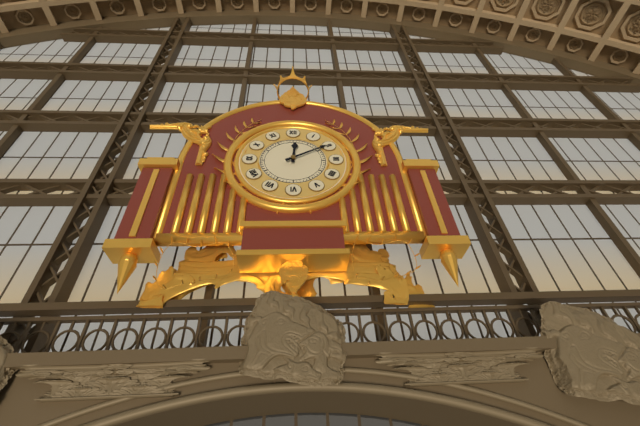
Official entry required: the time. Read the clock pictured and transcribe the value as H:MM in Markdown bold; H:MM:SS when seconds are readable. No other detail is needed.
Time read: **12:10**
